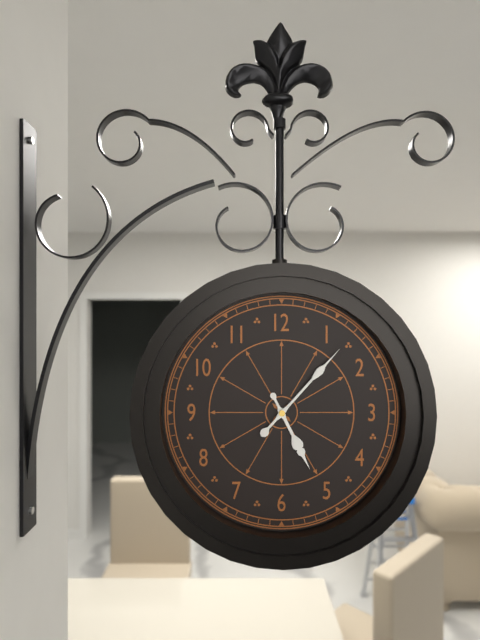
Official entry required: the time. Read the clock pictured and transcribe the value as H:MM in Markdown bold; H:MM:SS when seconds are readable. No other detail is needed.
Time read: **5:07**
